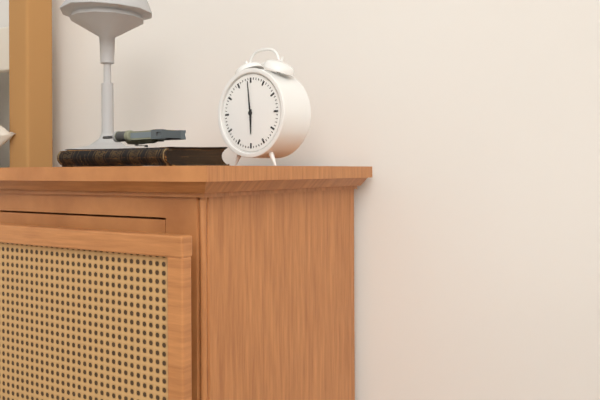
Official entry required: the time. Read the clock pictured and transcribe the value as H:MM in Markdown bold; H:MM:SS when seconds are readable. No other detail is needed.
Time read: **5:59**
